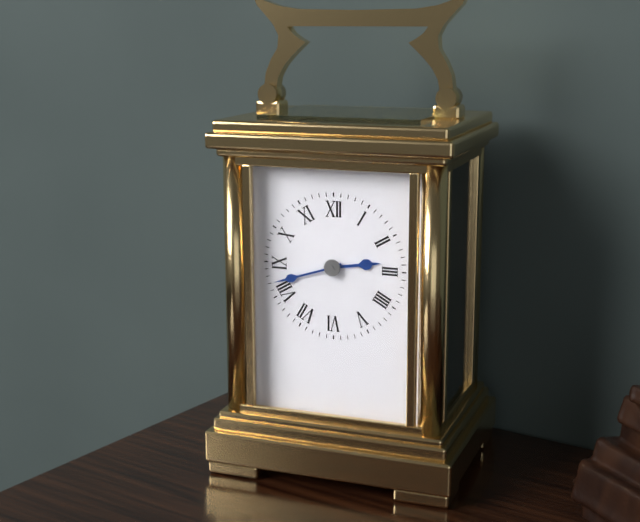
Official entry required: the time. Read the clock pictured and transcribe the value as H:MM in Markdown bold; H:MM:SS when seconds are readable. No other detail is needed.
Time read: **2:42**
